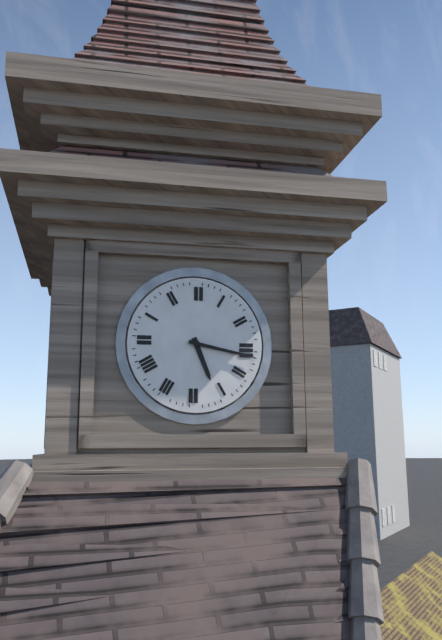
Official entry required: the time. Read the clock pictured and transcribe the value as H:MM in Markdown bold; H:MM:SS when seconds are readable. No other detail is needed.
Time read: **5:17**
